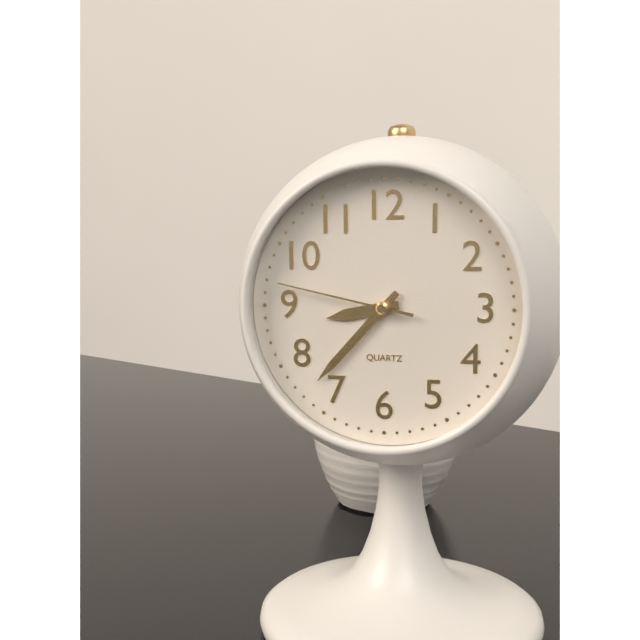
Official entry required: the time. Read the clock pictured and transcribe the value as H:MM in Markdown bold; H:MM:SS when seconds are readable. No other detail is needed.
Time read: **8:37:47**
